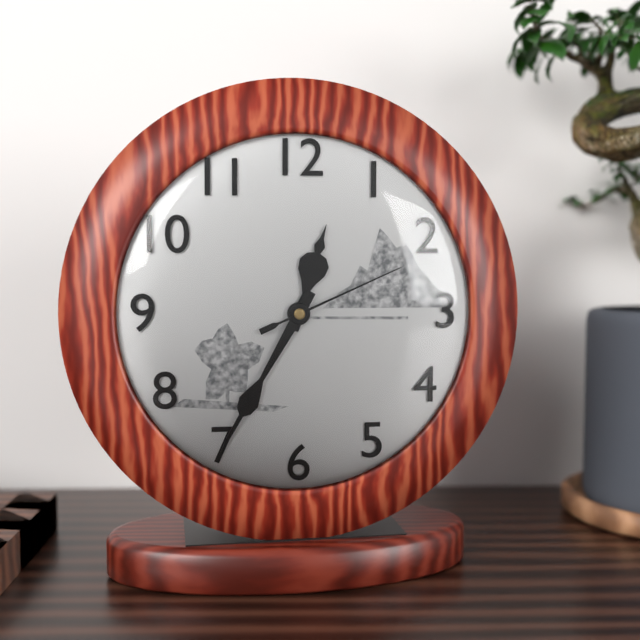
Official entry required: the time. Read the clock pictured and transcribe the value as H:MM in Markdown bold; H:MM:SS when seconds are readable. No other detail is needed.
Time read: **12:35:11**
